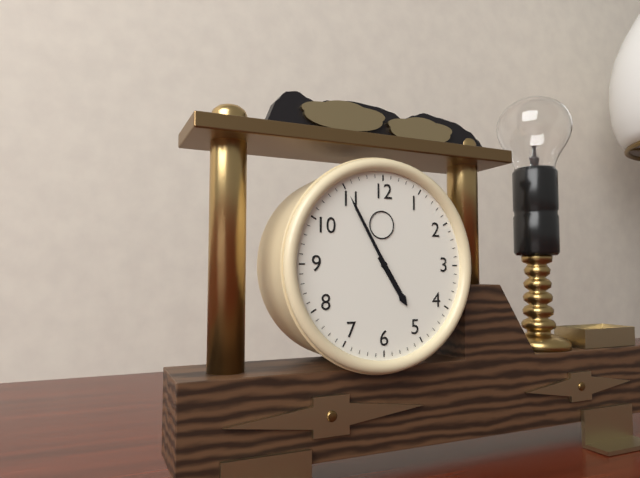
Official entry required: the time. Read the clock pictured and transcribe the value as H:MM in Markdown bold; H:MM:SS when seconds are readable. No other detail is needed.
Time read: **4:55**
